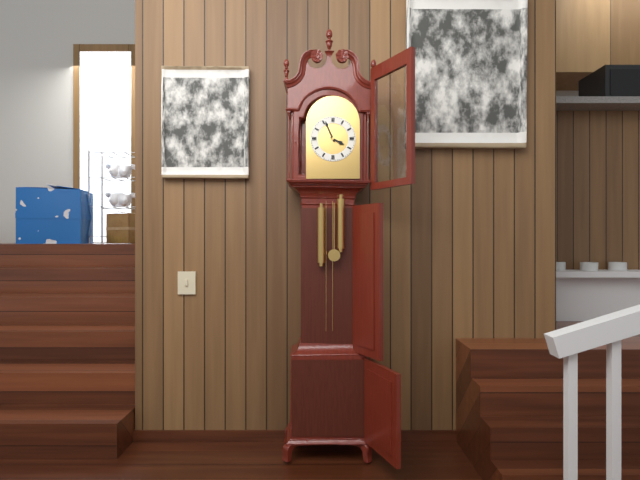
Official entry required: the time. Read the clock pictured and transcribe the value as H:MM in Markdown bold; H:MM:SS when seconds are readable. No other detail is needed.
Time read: **3:56**
